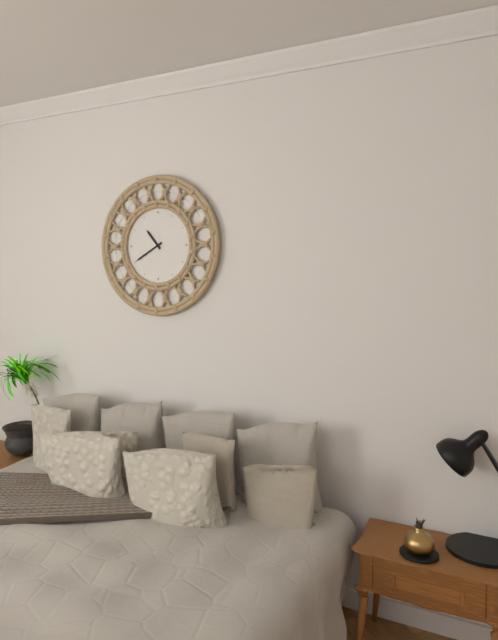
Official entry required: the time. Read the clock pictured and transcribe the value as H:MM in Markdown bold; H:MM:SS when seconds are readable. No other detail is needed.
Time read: **10:40**
